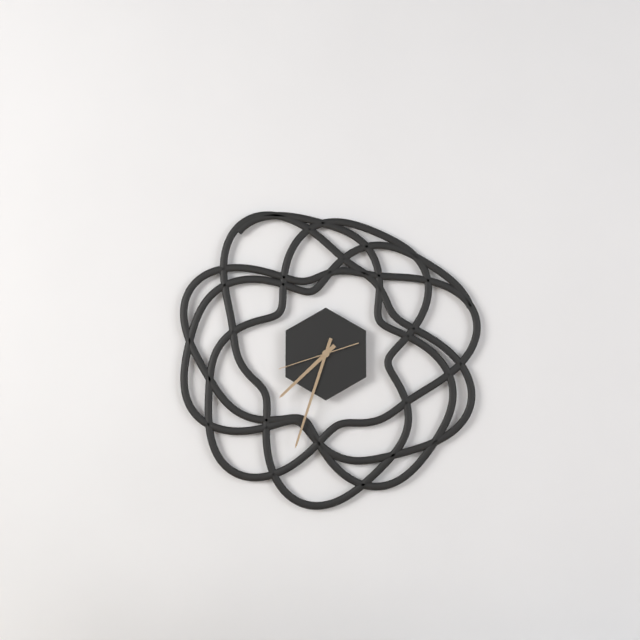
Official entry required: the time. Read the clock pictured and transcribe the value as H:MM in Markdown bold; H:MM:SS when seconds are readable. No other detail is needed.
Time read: **7:33:42**
